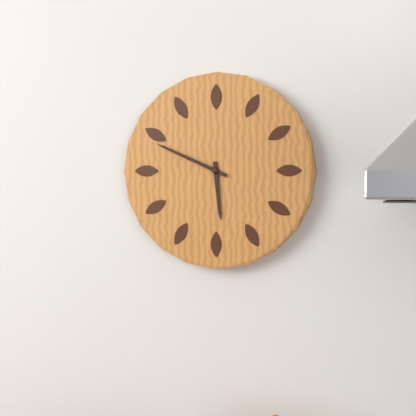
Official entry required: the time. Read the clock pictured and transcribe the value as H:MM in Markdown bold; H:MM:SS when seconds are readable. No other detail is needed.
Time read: **5:49**
